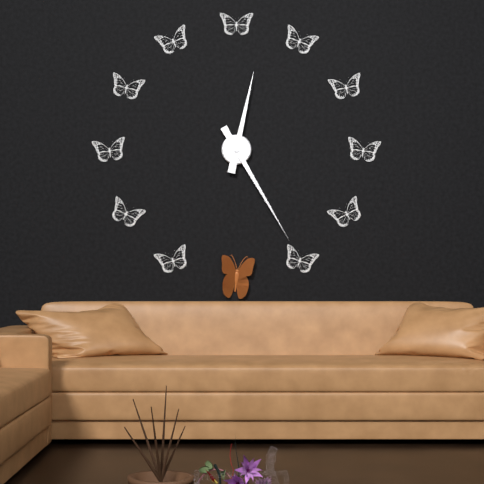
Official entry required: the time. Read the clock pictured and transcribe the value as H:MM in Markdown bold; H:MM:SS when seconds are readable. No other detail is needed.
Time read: **12:25**
